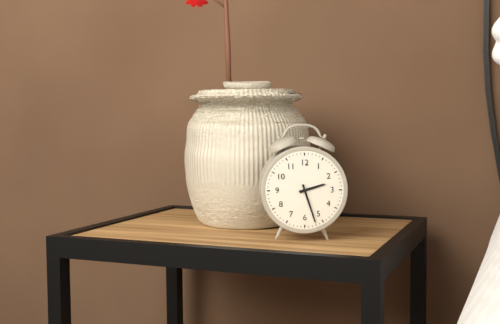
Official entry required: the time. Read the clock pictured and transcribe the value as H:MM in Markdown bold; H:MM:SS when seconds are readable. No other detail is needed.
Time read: **2:27**
